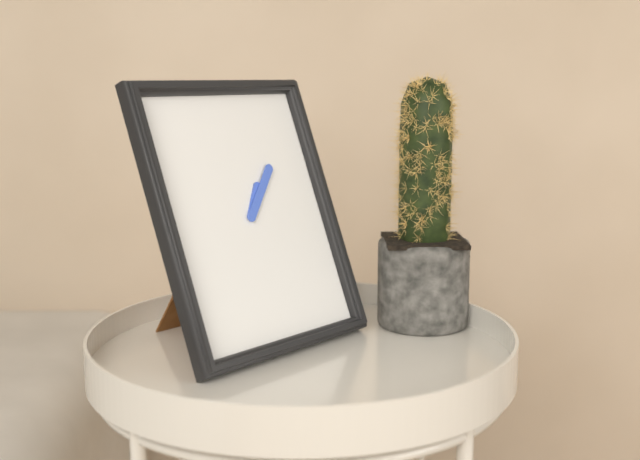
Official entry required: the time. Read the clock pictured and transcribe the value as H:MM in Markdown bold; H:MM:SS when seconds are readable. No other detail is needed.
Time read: **1:07**
